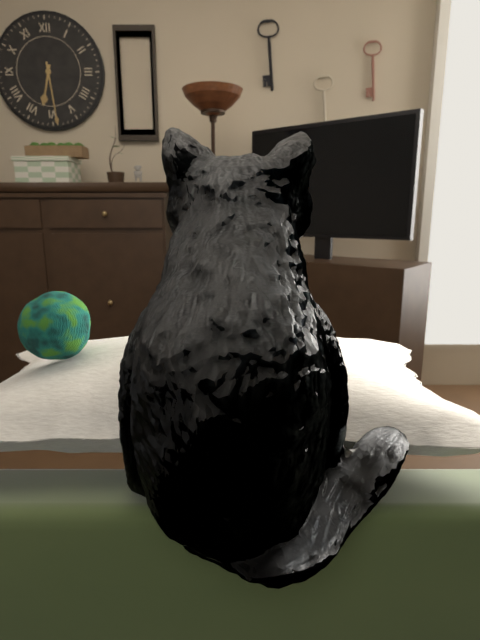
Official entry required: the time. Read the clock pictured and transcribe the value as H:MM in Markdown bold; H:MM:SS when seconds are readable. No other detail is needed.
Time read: **6:29**
